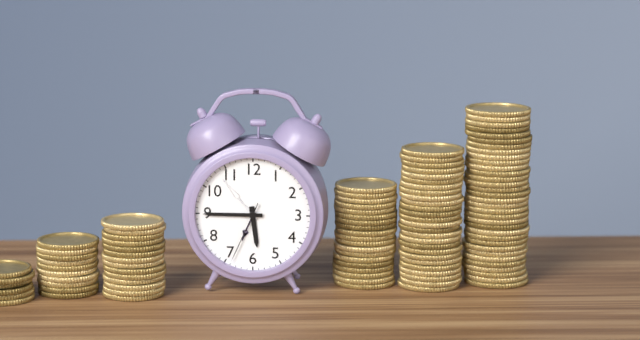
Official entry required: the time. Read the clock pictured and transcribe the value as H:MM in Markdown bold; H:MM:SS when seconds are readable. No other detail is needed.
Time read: **5:45:34**
